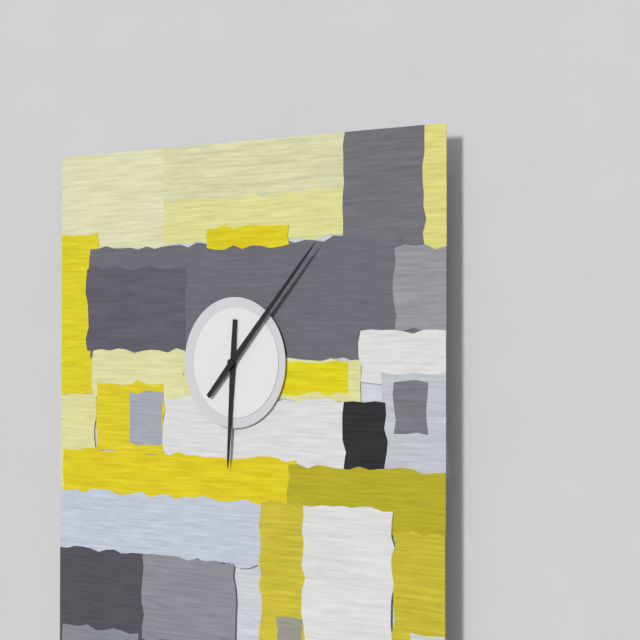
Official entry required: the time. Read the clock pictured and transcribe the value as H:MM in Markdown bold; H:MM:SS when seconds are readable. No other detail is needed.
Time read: **6:07**
